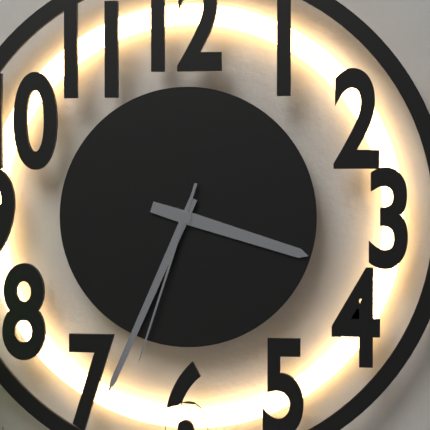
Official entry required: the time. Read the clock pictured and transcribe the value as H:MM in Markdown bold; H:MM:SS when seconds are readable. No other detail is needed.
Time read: **3:34:33**
